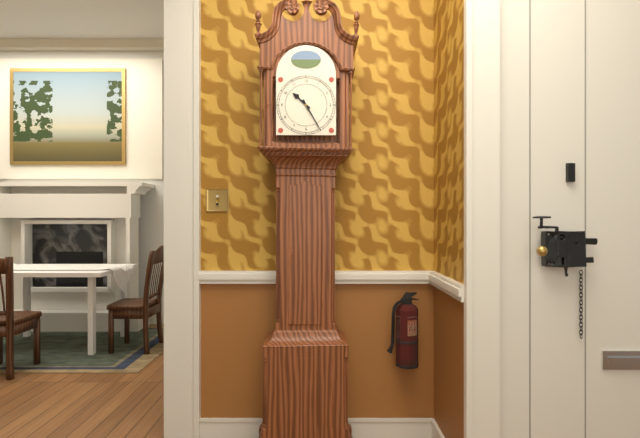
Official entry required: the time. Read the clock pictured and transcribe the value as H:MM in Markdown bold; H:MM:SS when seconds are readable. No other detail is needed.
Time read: **10:25**
